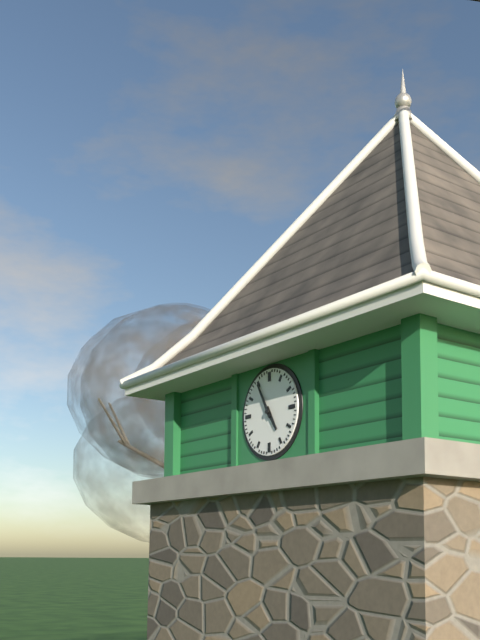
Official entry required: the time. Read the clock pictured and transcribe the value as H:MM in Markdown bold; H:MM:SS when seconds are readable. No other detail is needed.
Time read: **4:55**
